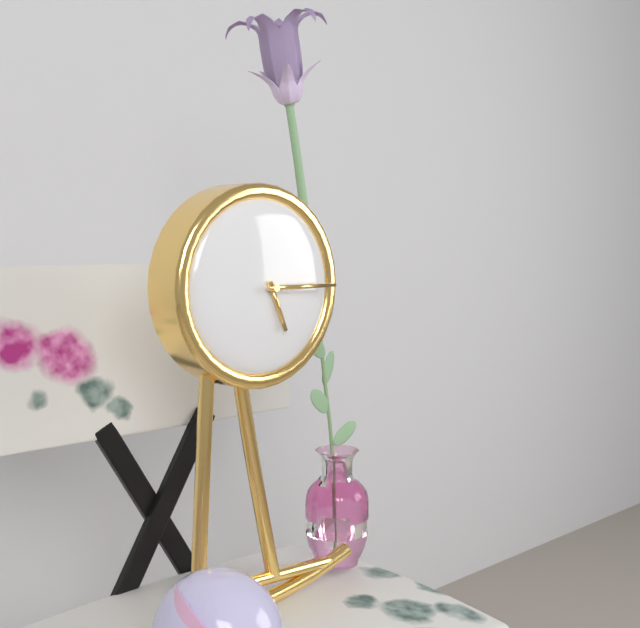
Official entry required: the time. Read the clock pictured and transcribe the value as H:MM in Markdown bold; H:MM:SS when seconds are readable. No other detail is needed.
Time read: **5:15**
